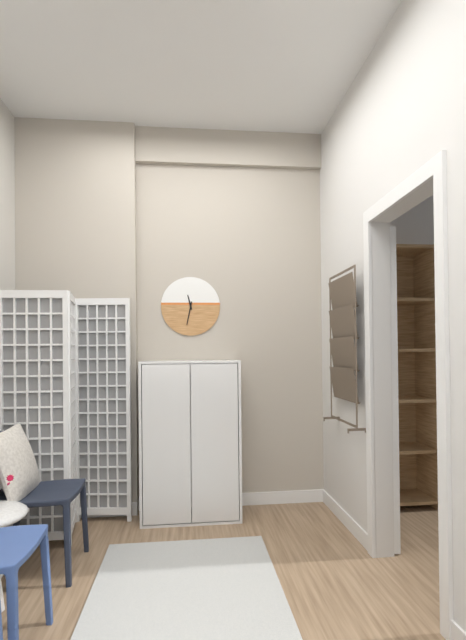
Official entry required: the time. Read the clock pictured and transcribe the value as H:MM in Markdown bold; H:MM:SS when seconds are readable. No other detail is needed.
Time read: **11:32**
